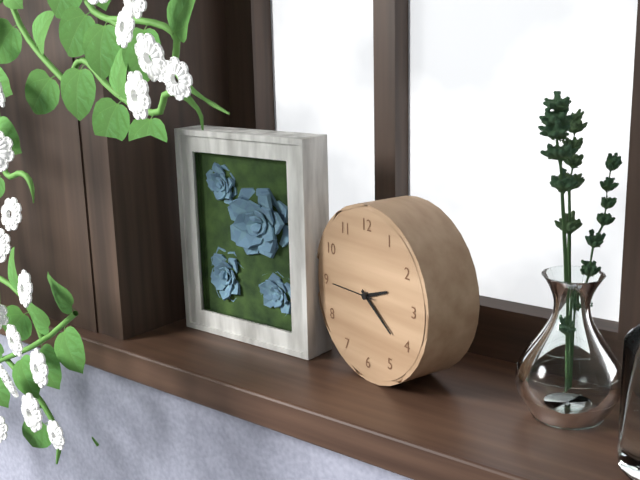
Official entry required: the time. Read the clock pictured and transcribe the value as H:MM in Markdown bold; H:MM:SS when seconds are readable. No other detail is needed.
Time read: **2:21:45**
